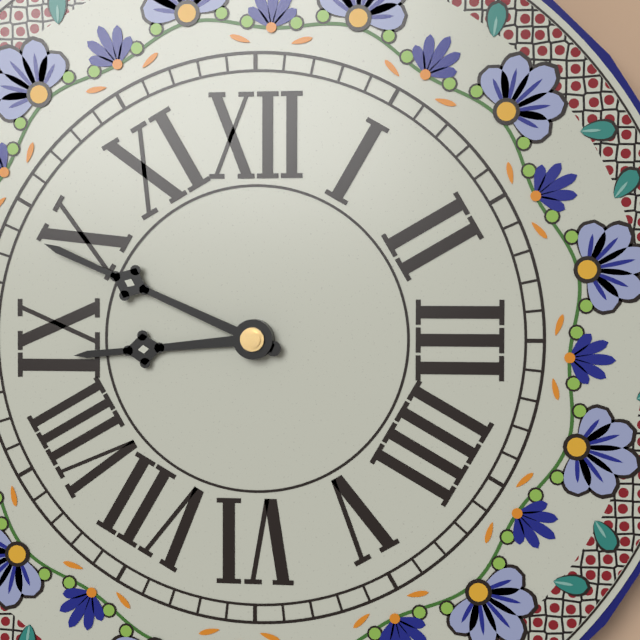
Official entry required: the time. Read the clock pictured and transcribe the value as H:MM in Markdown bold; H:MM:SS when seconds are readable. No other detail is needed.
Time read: **8:49**
